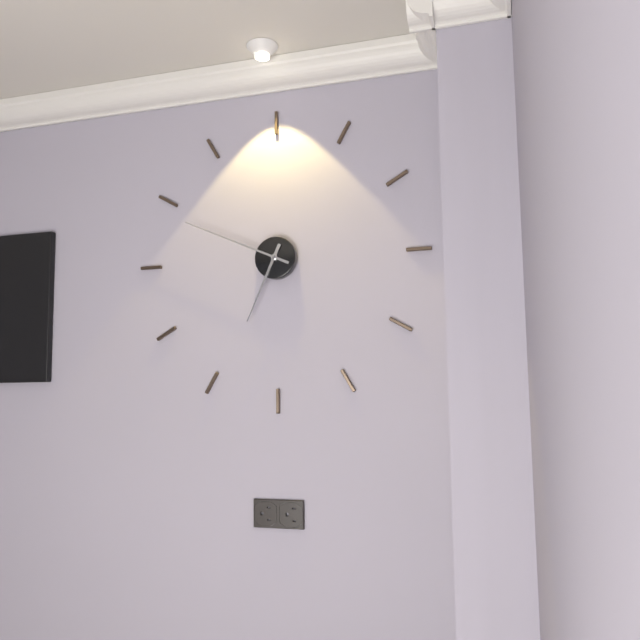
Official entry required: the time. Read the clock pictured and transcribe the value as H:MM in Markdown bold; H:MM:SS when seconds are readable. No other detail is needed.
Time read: **6:49**
